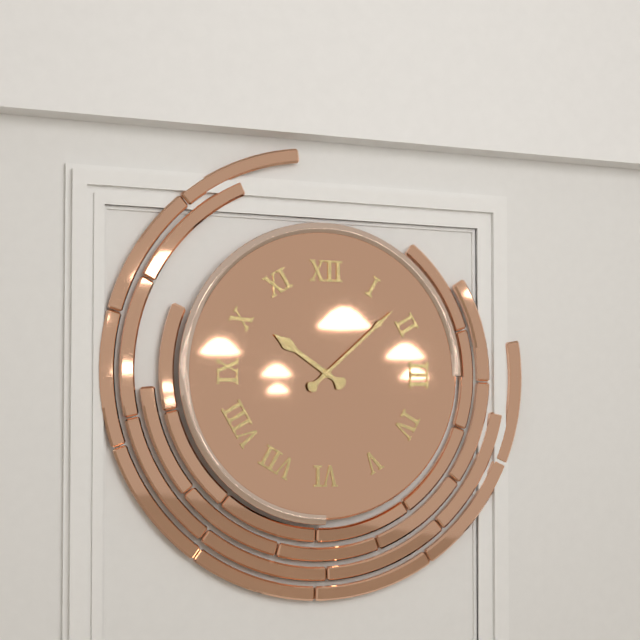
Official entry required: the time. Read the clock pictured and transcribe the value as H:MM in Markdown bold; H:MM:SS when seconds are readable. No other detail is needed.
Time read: **10:08**
